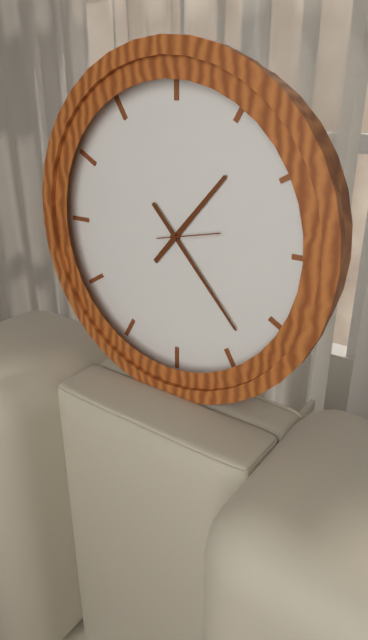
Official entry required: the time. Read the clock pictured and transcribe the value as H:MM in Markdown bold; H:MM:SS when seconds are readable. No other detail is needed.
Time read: **1:23:13**
